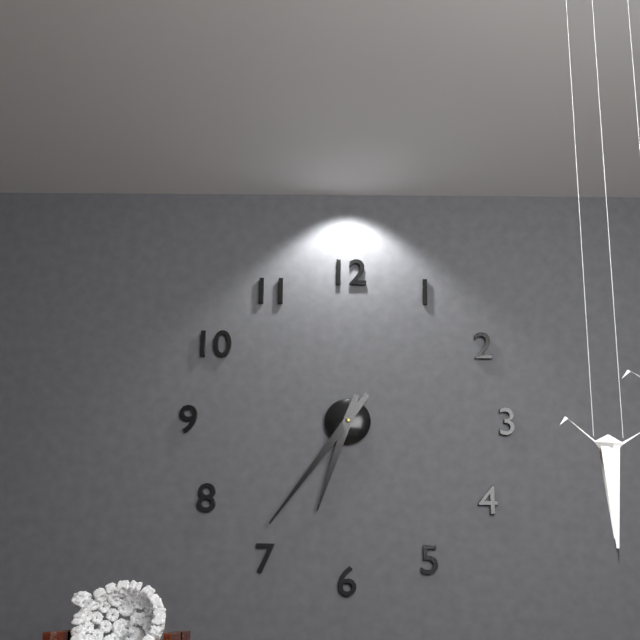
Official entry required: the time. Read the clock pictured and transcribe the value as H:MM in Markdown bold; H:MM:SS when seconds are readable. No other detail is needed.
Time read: **6:36**
